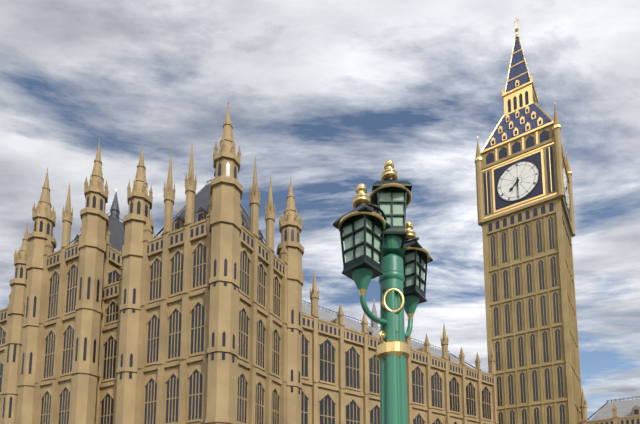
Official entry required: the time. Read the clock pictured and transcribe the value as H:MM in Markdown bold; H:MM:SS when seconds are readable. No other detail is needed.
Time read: **7:30**
